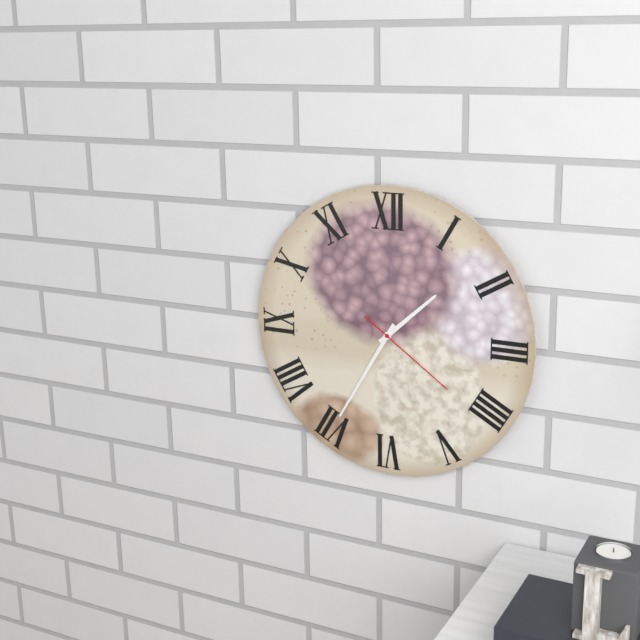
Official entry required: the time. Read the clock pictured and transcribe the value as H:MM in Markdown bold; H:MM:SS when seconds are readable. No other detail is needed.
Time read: **1:35:21**
